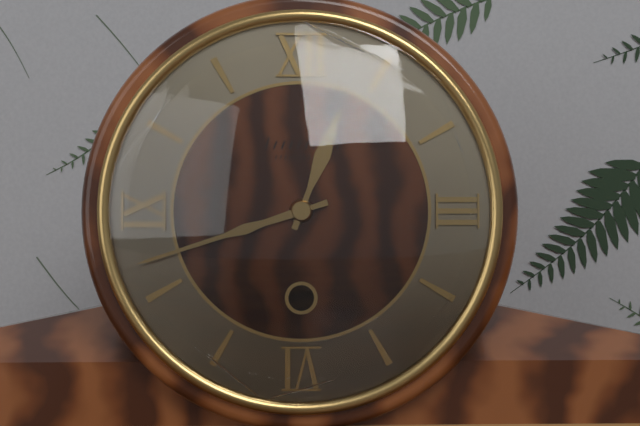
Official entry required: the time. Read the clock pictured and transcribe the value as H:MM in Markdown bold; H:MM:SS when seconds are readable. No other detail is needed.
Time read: **12:42**
